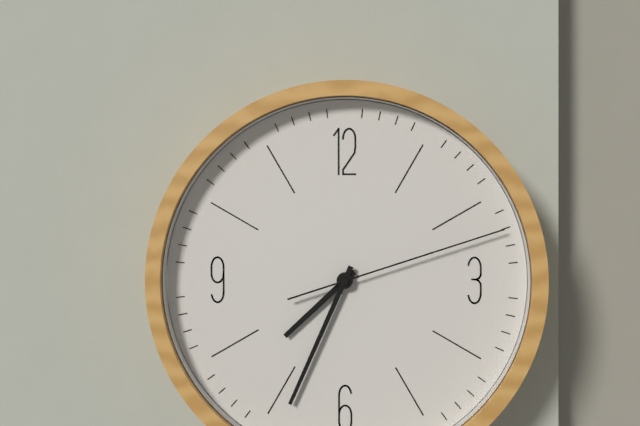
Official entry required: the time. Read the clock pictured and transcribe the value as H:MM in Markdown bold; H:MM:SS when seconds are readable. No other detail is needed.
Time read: **7:34:12**
